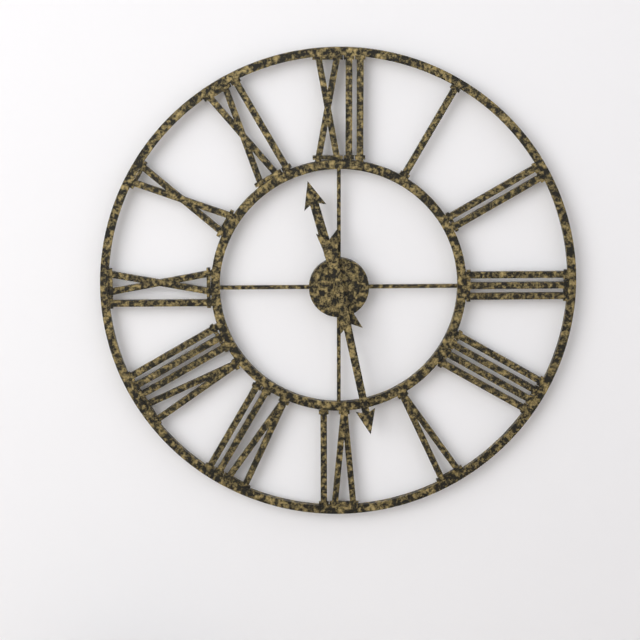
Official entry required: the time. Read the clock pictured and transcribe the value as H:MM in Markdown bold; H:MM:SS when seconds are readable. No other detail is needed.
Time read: **11:28**
